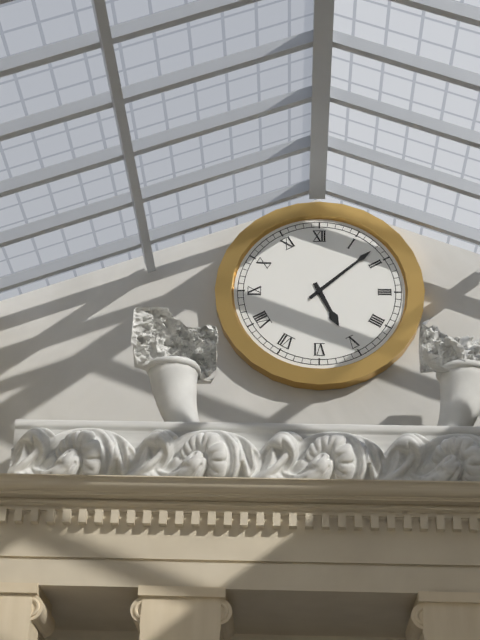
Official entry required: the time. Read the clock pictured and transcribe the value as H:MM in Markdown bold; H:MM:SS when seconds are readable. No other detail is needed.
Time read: **5:08**
